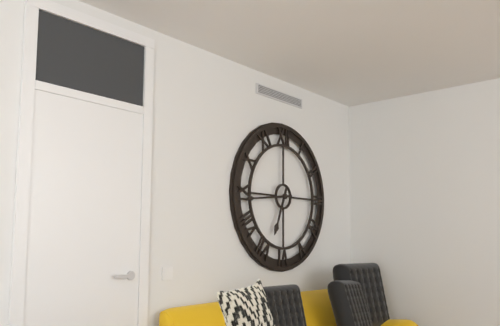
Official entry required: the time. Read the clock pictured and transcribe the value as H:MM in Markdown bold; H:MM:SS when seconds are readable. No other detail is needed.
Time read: **6:44**
